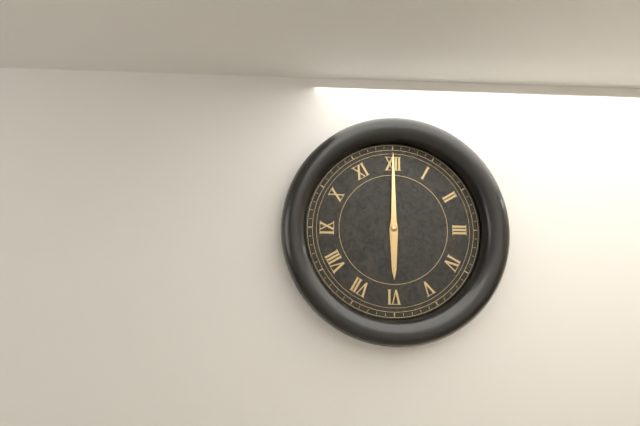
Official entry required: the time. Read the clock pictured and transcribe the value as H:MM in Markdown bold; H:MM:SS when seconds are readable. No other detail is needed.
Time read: **6:00**
